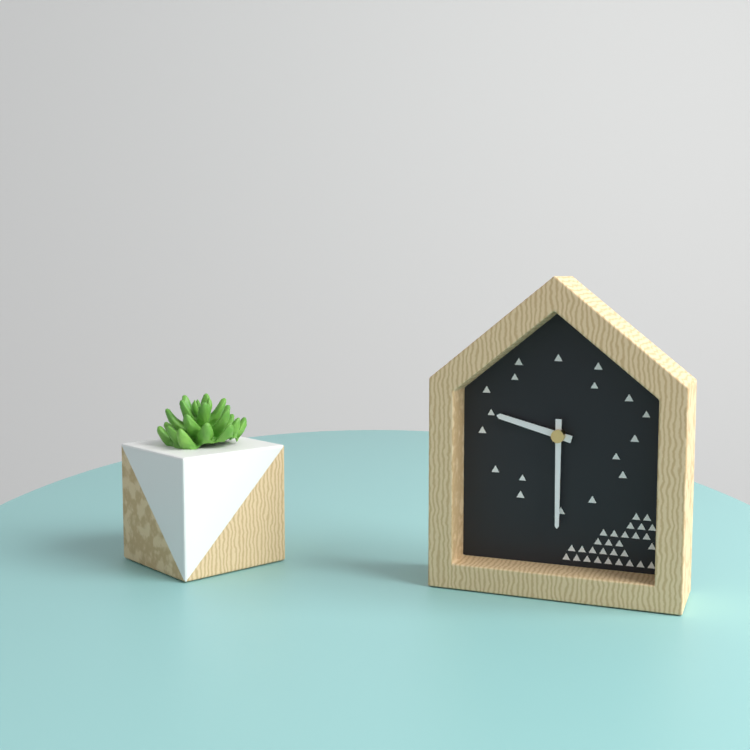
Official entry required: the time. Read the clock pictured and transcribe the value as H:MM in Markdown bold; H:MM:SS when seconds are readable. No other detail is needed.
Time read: **9:30**
